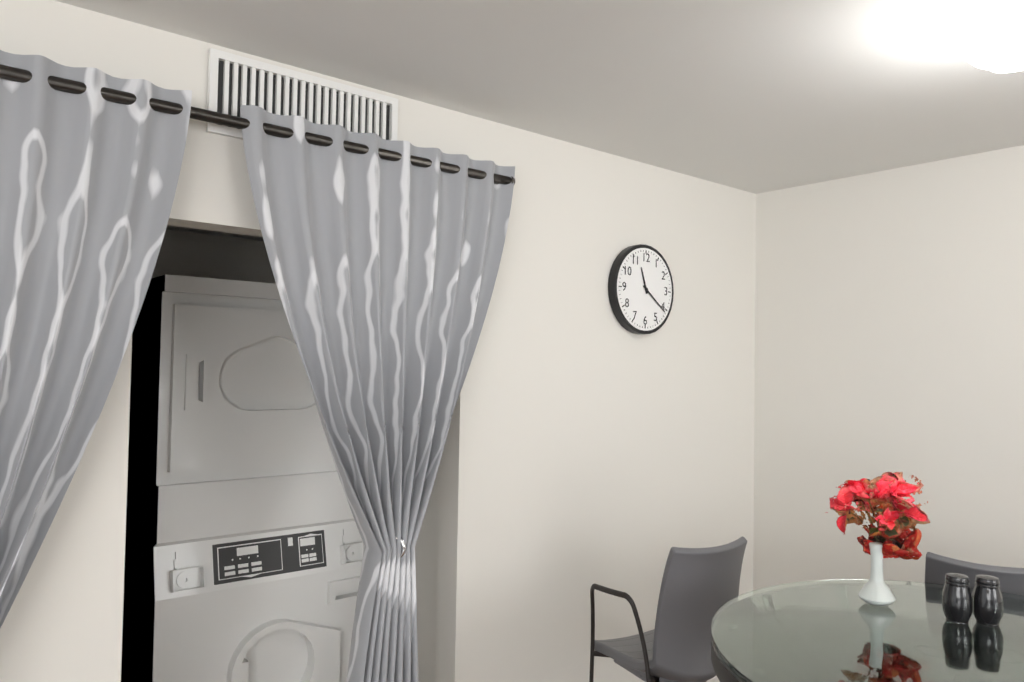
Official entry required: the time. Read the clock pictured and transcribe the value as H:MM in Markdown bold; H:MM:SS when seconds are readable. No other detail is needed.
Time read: **11:21**
